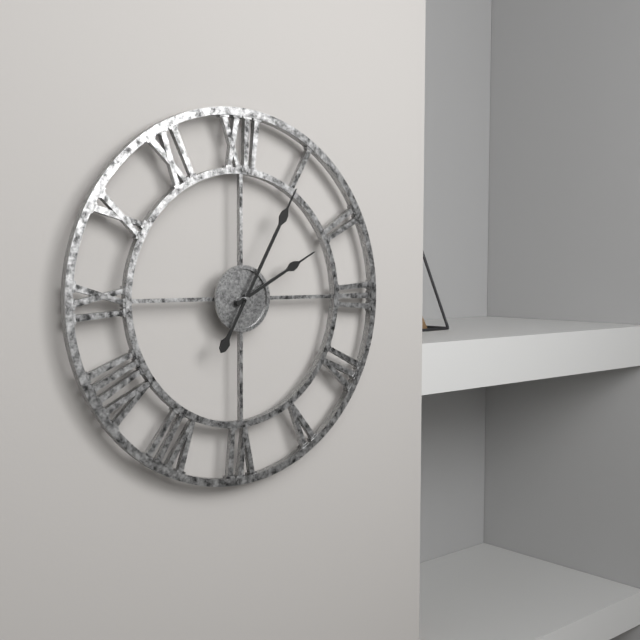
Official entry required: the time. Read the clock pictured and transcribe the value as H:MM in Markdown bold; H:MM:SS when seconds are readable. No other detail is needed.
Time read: **2:05**
